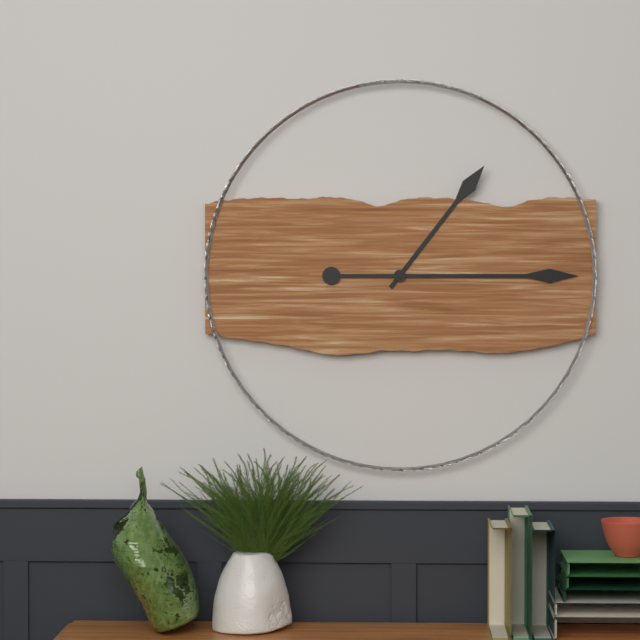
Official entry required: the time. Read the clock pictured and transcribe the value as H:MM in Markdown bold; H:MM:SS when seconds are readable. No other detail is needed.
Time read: **1:15**
